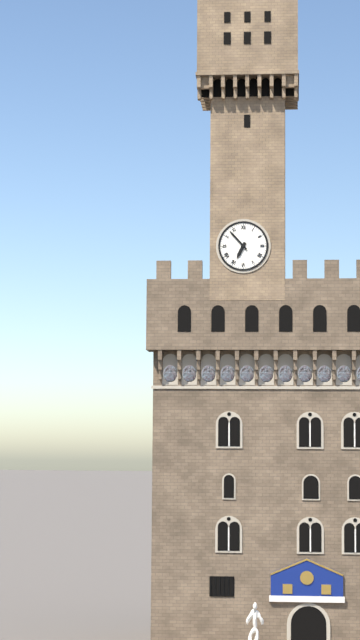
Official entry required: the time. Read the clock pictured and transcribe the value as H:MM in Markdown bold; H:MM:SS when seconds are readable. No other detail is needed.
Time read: **6:53**
